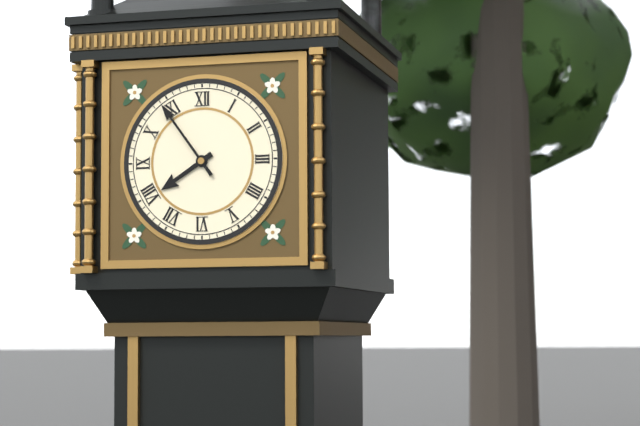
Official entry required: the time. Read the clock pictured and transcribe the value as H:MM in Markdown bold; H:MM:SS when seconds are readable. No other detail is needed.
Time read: **7:54**
